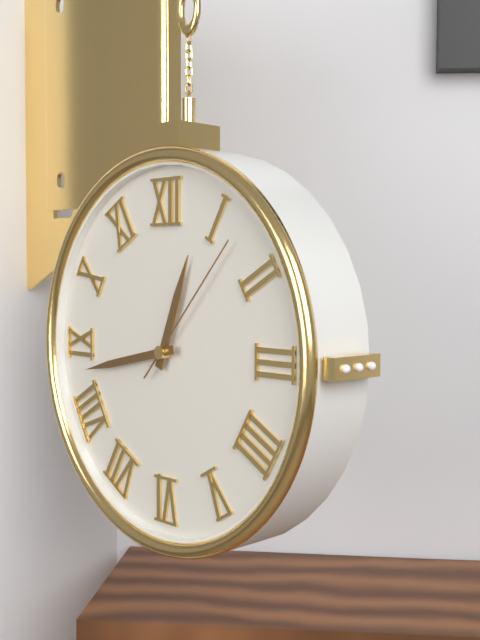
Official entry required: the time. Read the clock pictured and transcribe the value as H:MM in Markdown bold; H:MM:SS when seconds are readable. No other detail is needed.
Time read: **12:43:07**
